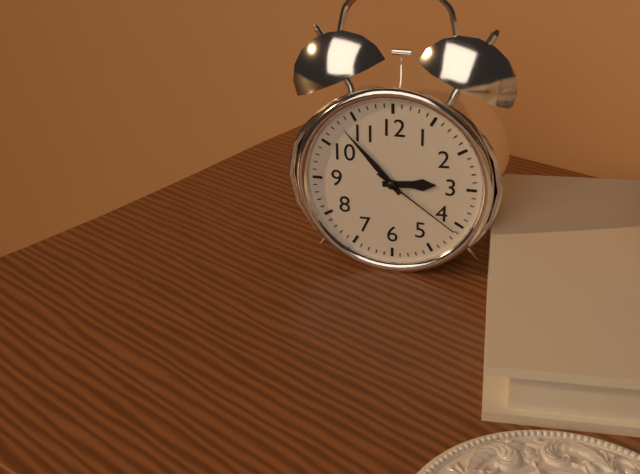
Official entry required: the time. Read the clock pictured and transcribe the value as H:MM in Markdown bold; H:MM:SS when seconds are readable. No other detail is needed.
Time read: **2:53:21**
